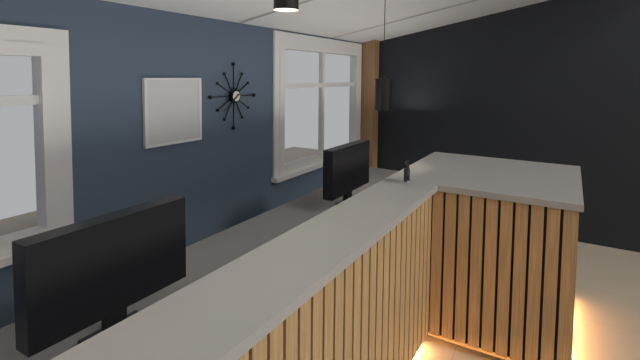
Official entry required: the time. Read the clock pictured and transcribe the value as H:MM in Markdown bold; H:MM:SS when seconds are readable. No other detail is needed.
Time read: **7:39**
